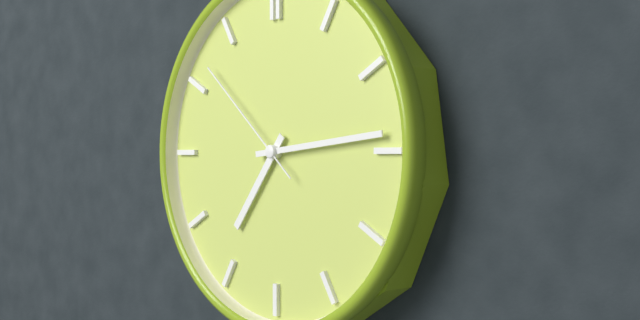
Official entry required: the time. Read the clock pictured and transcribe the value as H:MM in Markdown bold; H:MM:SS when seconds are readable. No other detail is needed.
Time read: **7:14:52**
